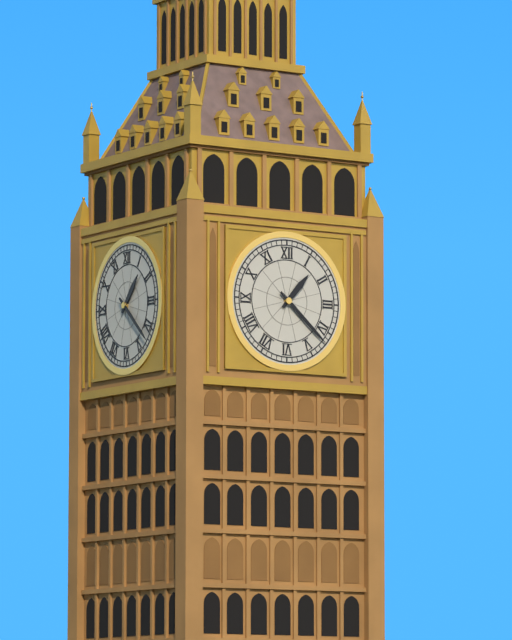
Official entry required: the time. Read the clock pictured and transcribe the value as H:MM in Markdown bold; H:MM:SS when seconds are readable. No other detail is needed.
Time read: **1:22**
